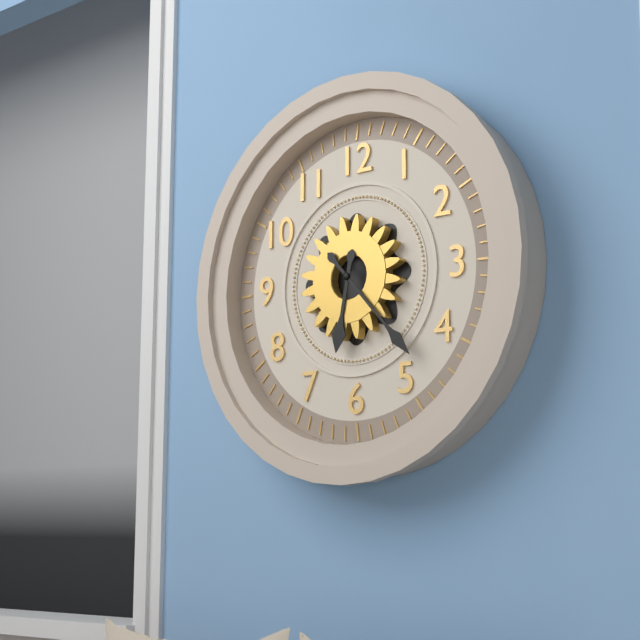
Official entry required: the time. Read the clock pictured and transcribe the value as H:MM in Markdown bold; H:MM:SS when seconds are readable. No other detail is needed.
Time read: **6:23**
